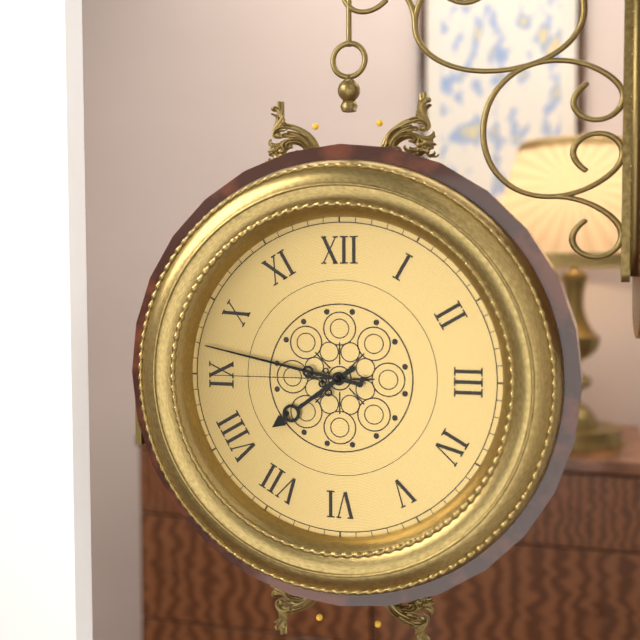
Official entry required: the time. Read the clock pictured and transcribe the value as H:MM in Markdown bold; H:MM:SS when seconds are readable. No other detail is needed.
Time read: **7:47:45**
